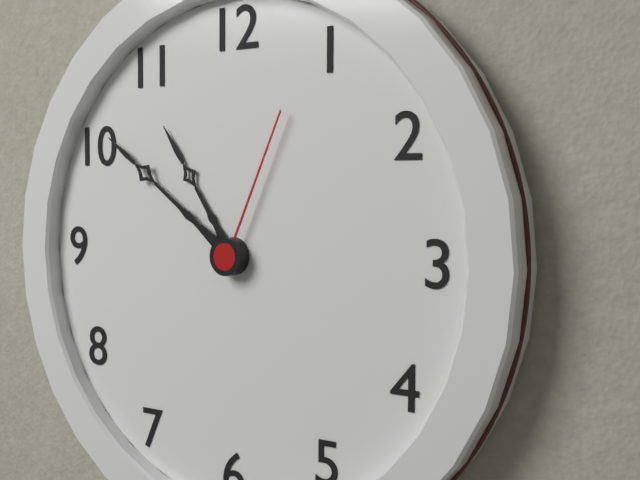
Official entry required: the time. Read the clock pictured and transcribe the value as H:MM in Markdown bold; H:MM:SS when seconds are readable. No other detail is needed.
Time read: **10:51:04**
